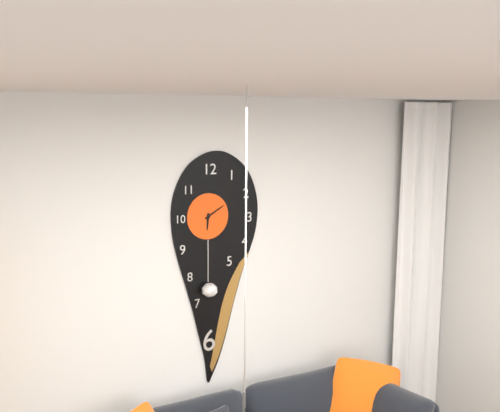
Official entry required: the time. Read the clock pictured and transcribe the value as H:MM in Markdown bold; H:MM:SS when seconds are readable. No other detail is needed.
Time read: **6:10**
